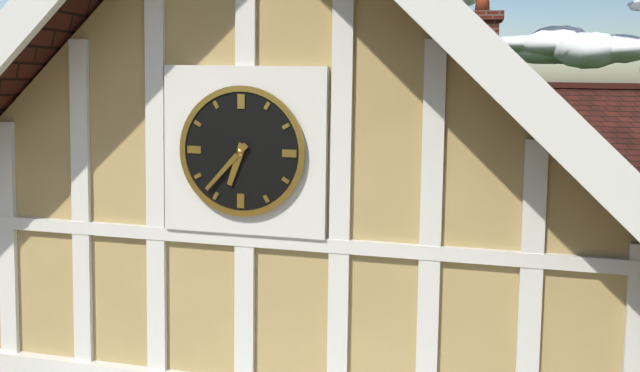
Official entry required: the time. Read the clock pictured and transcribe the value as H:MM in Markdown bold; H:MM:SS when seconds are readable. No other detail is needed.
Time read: **6:37**
